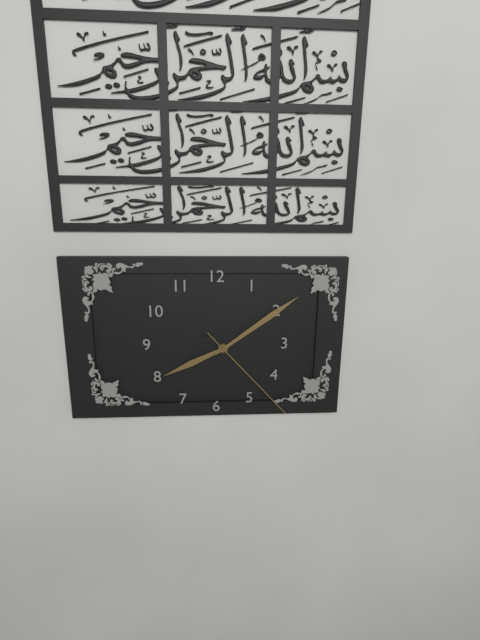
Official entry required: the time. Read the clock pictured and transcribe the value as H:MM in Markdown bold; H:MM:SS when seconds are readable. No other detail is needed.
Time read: **8:09:23**
